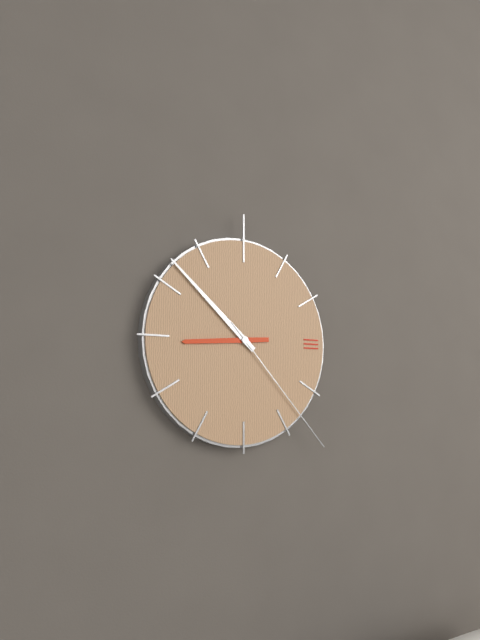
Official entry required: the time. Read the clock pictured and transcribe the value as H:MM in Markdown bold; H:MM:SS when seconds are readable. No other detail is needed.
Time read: **8:52:23**
